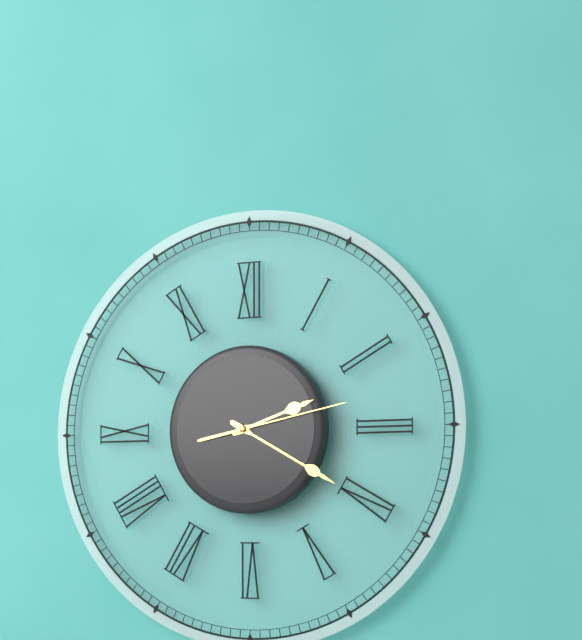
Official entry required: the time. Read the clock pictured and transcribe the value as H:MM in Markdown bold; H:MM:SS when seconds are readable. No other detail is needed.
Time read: **2:20:13**
